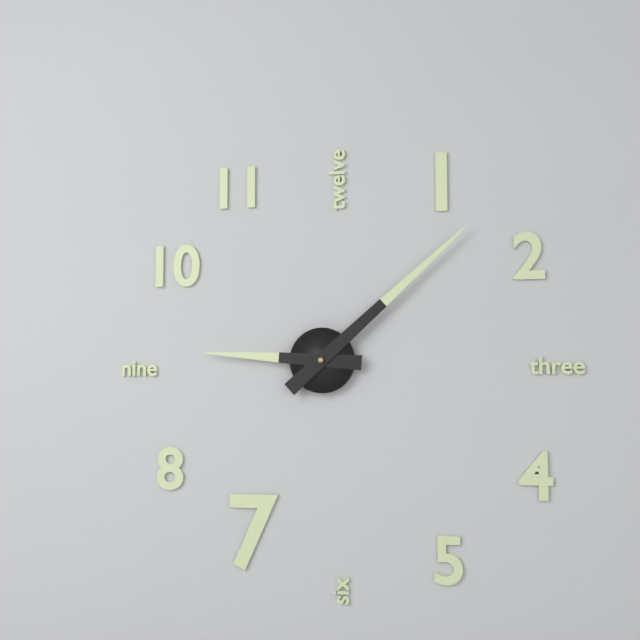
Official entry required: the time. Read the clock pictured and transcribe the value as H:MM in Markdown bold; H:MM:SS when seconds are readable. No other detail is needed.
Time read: **9:08**
